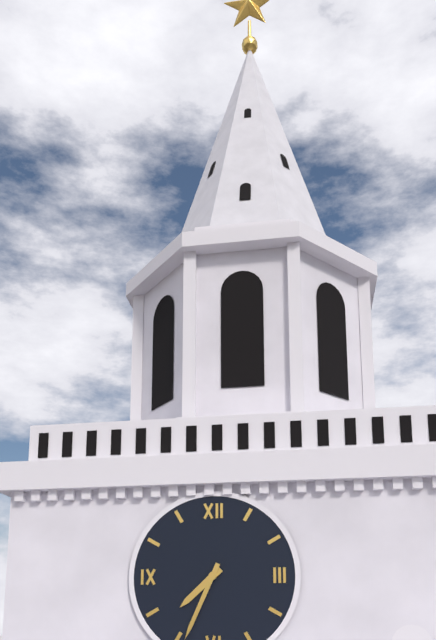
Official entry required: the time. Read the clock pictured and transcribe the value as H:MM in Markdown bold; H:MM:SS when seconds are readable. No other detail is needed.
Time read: **7:34**
